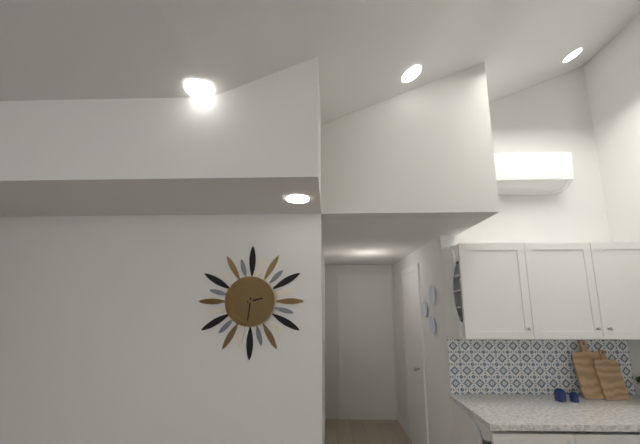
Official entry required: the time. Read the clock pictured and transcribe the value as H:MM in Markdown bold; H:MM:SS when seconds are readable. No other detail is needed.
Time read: **2:31**
